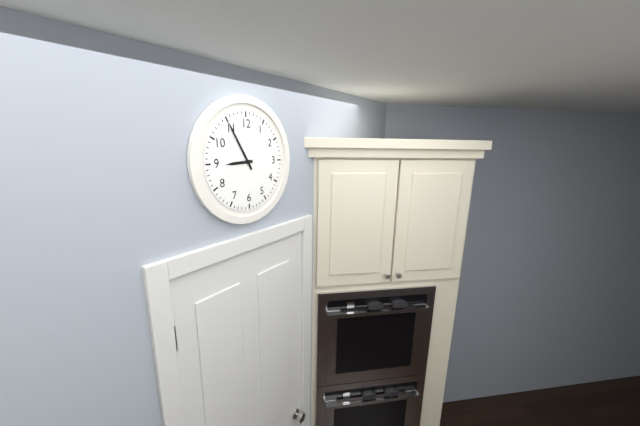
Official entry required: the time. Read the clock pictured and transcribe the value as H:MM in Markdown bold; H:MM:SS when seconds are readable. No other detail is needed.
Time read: **8:55**
